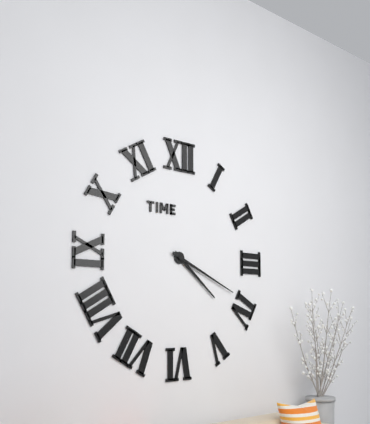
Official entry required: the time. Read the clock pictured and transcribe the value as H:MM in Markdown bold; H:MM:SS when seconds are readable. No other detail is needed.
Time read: **4:19**
